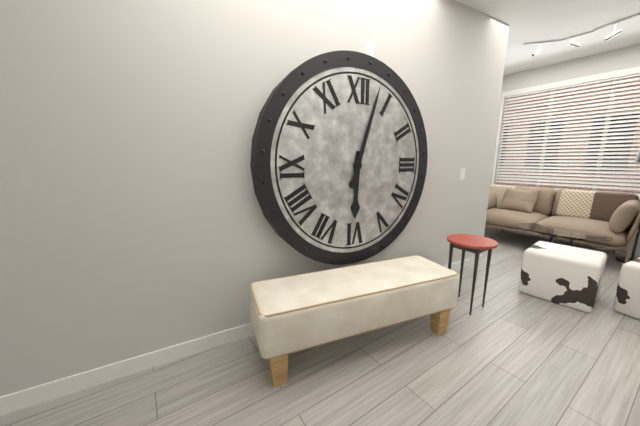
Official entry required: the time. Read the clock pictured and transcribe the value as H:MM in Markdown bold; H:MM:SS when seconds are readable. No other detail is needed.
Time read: **6:03**
